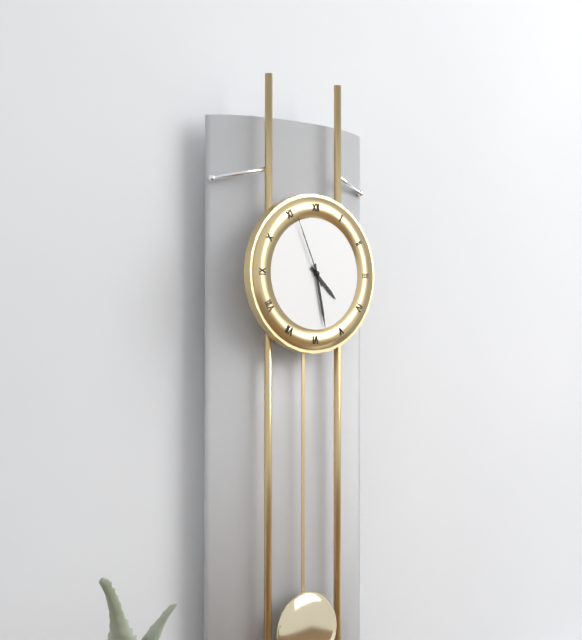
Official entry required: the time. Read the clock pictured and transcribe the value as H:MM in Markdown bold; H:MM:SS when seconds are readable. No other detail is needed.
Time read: **4:28:56**
